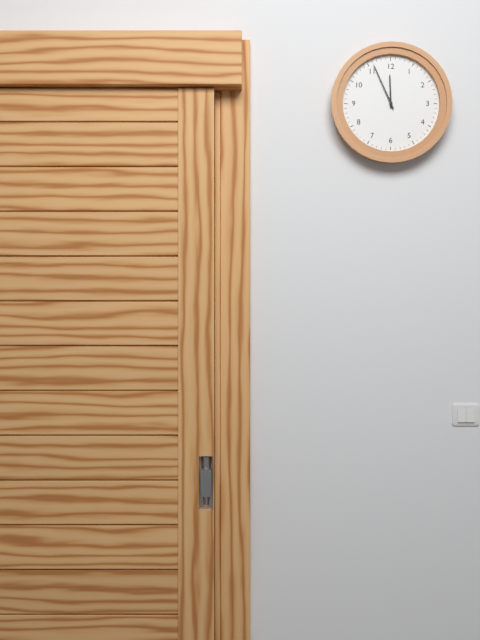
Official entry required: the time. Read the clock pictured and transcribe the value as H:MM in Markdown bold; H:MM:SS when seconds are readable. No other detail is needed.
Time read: **11:56**
